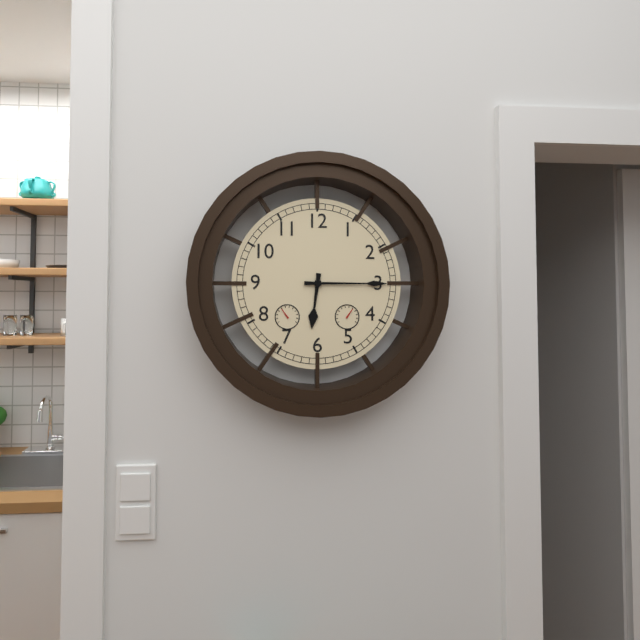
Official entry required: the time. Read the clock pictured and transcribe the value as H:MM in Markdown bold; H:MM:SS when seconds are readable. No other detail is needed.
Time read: **6:15**
